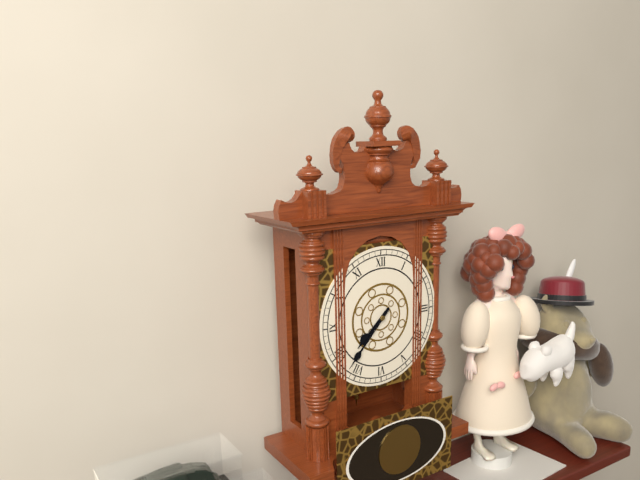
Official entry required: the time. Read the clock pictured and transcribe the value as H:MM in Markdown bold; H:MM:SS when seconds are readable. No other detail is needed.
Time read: **7:37**
